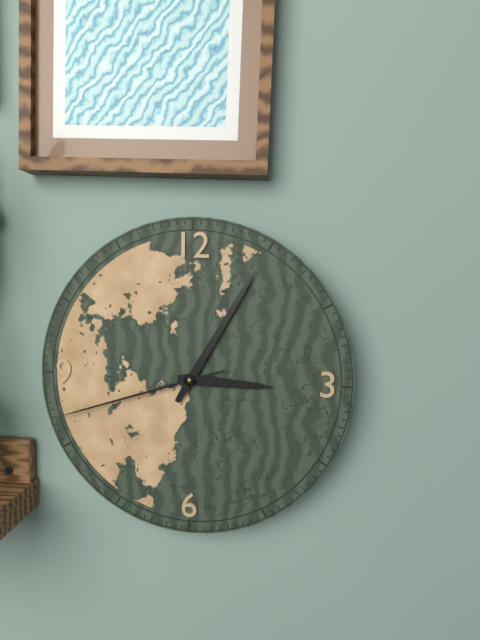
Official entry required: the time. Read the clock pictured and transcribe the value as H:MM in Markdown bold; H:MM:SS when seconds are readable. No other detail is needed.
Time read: **3:05:42**
